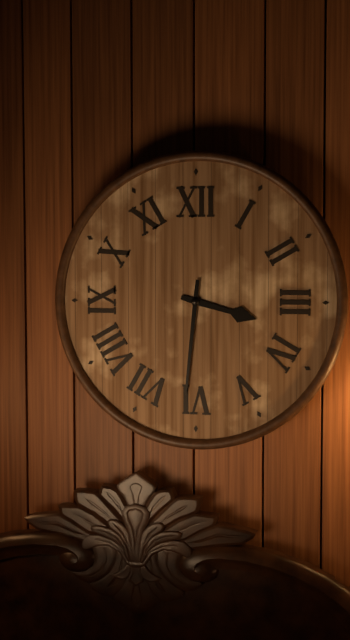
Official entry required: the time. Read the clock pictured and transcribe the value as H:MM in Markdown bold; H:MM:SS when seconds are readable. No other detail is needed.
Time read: **3:31**
